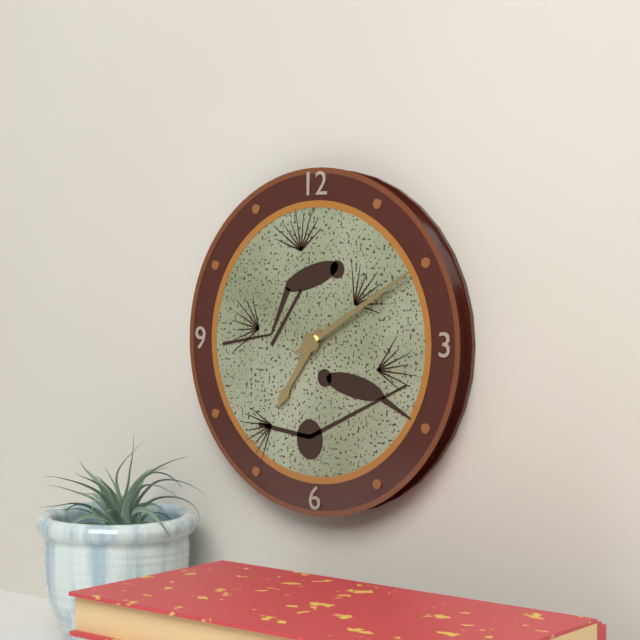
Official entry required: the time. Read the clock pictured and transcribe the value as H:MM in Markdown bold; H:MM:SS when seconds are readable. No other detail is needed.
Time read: **7:10**
